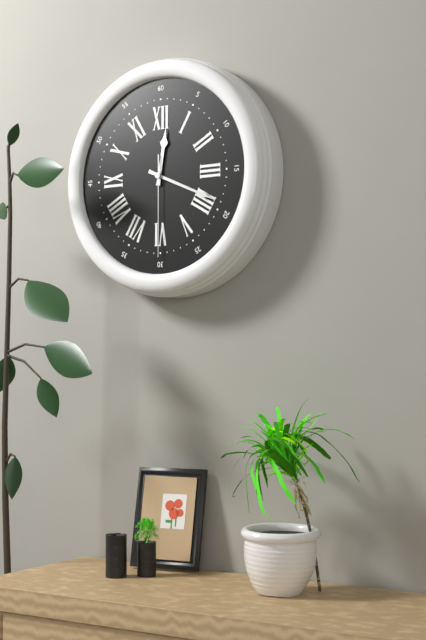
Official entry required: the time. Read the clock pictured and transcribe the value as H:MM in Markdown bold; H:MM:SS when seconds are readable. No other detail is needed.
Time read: **12:19:30**
